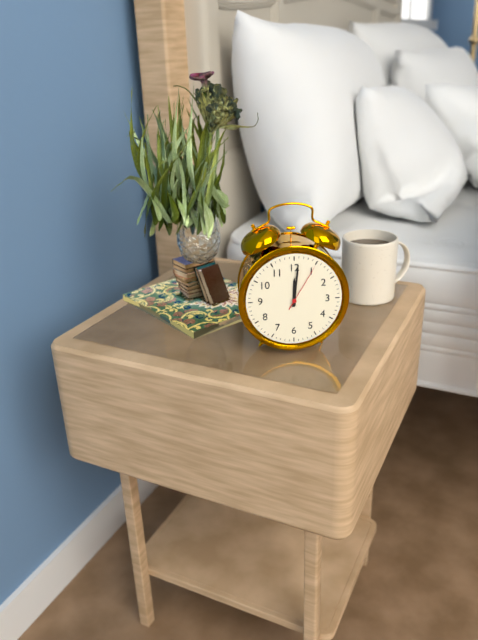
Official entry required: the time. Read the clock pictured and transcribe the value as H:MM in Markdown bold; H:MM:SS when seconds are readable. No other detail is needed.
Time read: **12:01:05**
